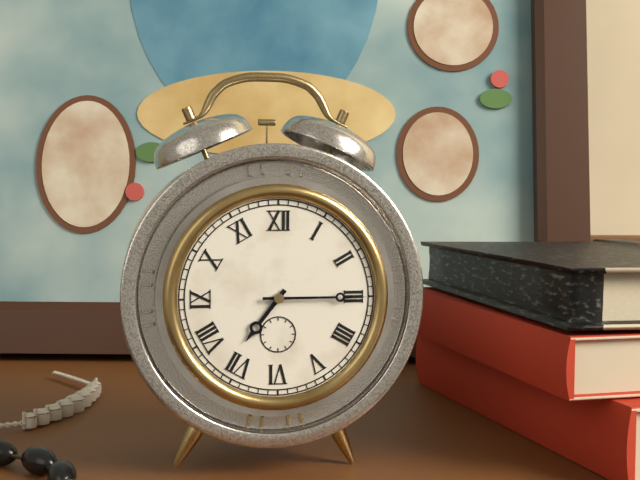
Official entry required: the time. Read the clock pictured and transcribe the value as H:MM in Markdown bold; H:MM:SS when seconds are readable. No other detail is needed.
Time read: **7:15**
